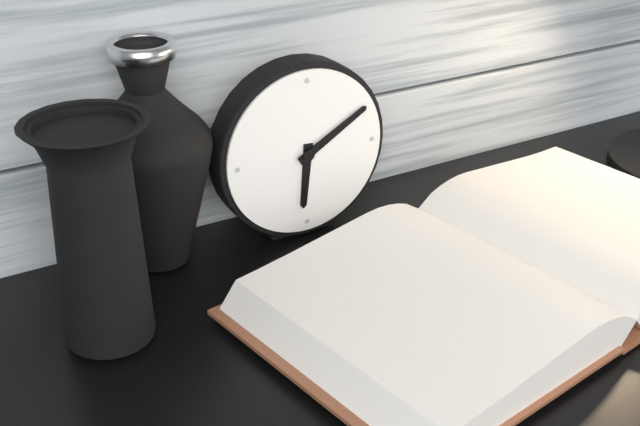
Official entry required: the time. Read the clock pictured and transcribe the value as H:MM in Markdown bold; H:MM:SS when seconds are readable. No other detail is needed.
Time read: **6:10**
